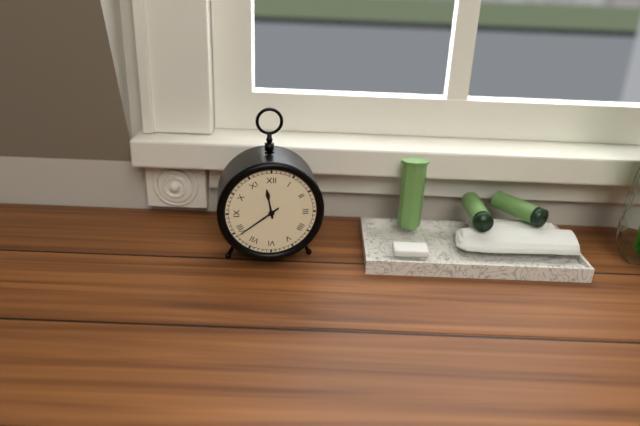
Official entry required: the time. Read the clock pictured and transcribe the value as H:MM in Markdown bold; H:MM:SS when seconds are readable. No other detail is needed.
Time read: **11:39**
